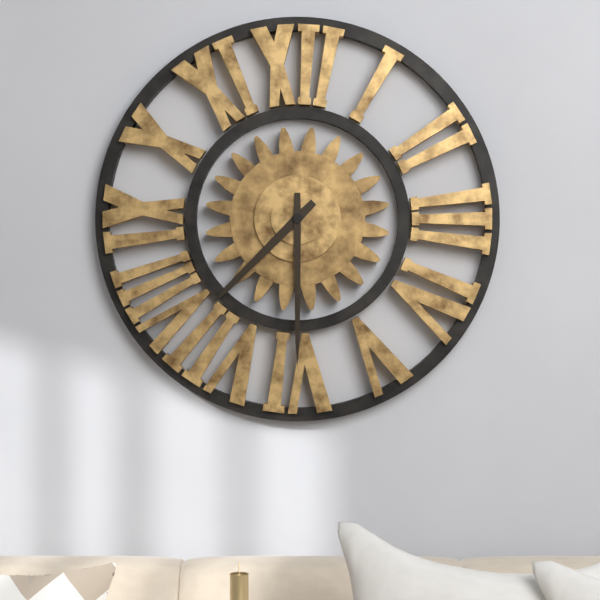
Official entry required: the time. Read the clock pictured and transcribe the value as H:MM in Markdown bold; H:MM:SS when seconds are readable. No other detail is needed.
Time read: **7:30**
